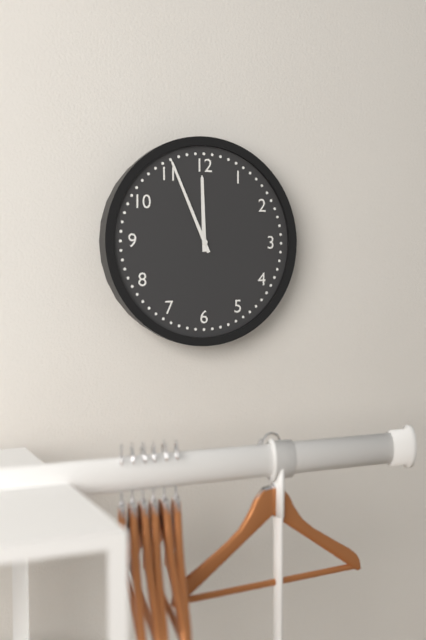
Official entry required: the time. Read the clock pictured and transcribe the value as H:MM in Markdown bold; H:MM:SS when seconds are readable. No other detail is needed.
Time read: **11:56**
